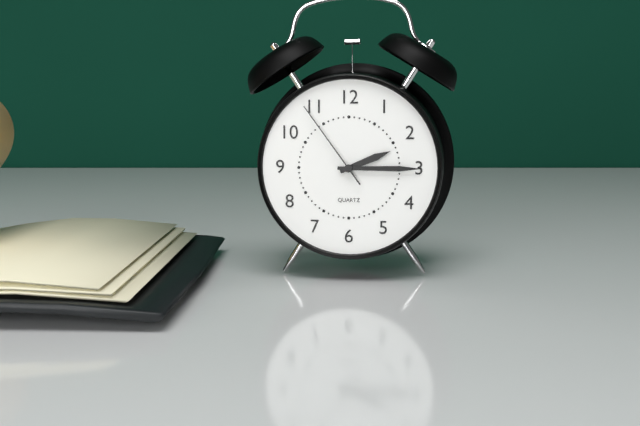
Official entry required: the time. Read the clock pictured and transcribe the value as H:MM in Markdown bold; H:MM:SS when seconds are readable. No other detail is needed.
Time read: **2:15:54**
